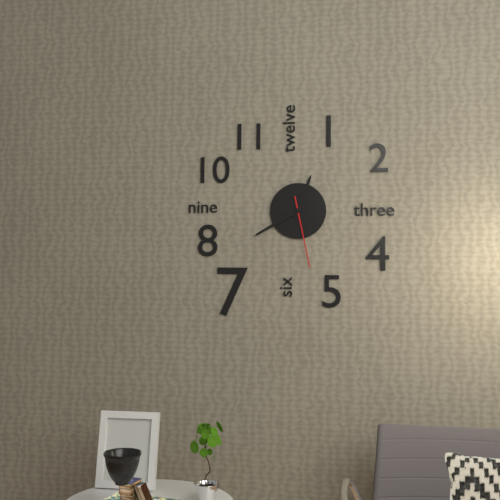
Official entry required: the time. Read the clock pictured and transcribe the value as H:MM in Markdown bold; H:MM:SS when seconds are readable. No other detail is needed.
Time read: **12:40:28**
